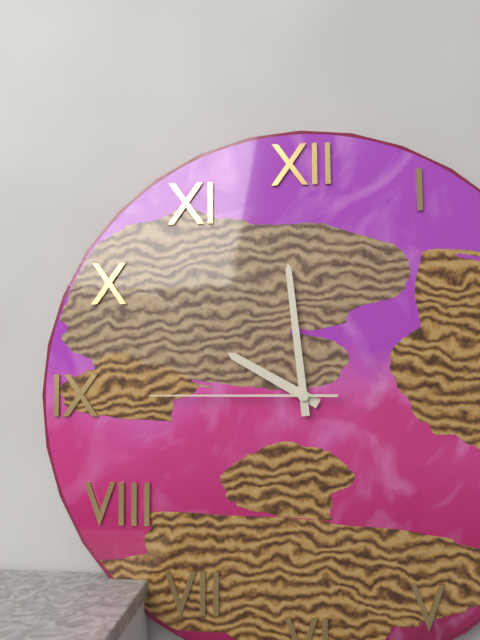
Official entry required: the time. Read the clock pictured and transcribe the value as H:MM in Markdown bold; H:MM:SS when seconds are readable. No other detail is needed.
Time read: **9:59:45**
